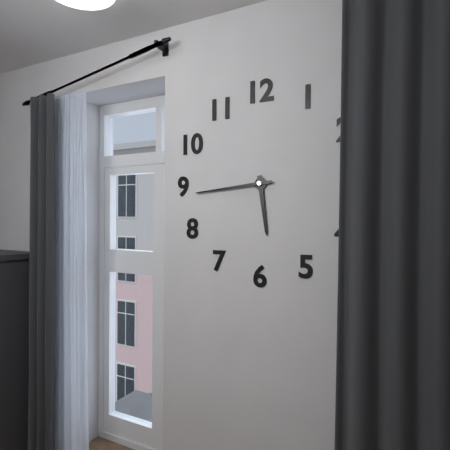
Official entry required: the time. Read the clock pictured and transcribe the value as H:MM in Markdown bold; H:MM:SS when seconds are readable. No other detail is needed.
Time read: **5:44**
